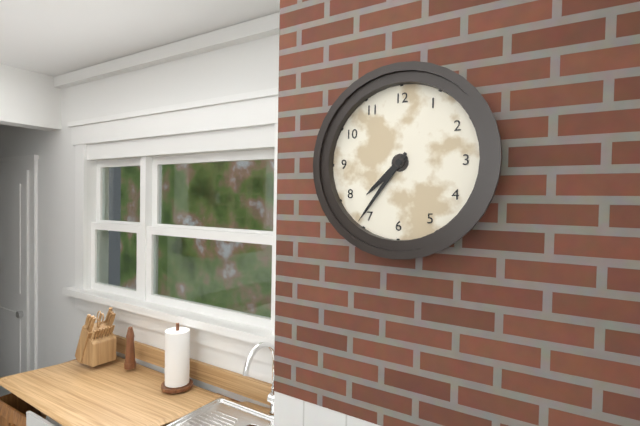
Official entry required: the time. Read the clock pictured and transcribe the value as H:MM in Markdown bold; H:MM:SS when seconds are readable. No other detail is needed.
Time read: **7:36**
